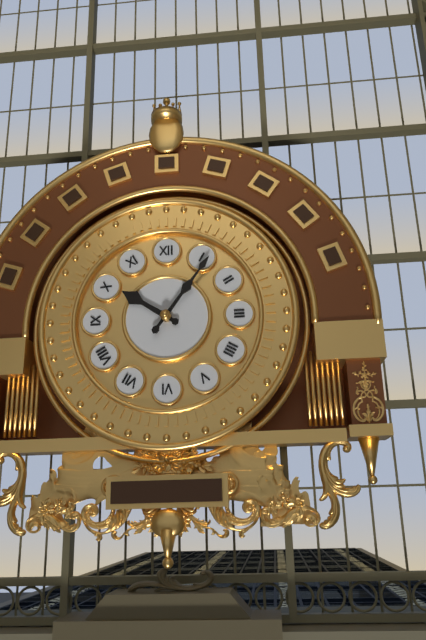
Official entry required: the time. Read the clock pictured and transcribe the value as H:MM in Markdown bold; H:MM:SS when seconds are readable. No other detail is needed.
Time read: **10:06**
